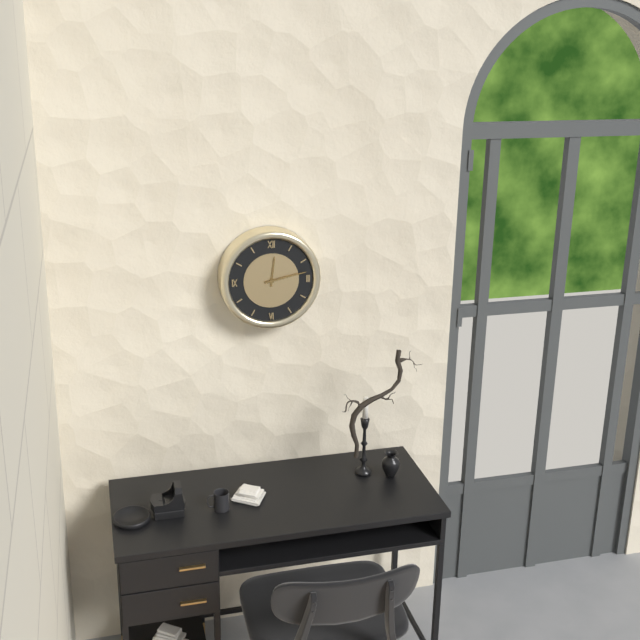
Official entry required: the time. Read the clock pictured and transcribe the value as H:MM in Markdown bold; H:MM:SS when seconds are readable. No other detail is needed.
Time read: **12:13**
